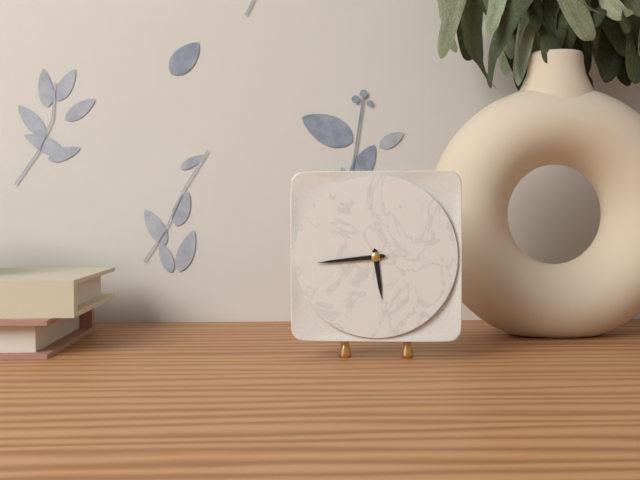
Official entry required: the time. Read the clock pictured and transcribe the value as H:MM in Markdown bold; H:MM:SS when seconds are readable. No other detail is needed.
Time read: **5:44**
